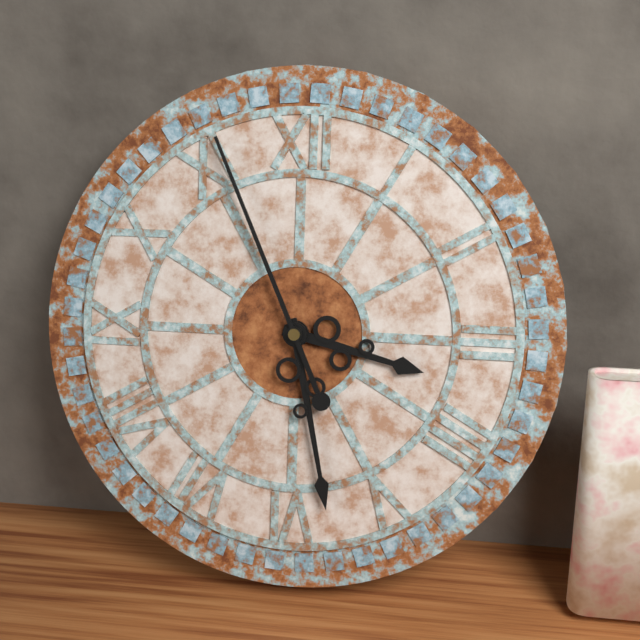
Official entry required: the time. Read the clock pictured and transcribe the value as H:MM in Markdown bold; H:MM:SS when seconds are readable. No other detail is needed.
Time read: **3:28:56**
